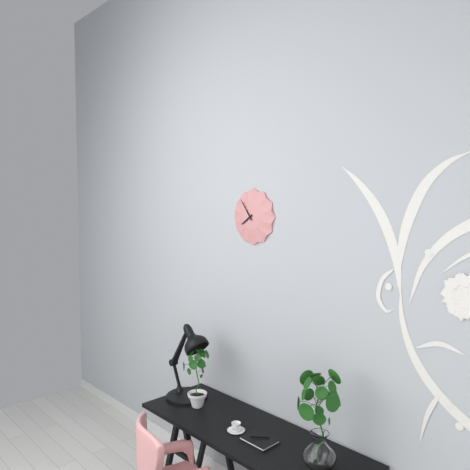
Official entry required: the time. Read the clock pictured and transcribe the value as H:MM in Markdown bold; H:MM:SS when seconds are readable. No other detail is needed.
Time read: **7:54**
